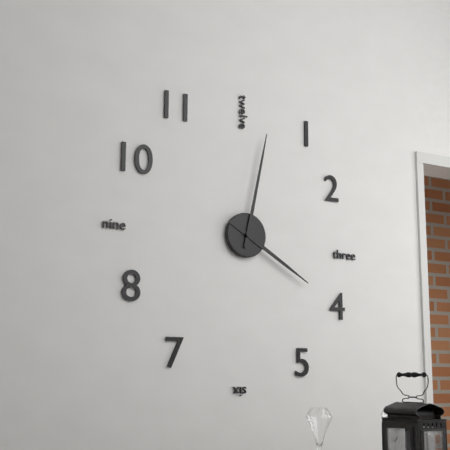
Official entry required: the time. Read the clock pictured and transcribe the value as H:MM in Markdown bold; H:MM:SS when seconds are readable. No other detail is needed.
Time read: **4:02**
